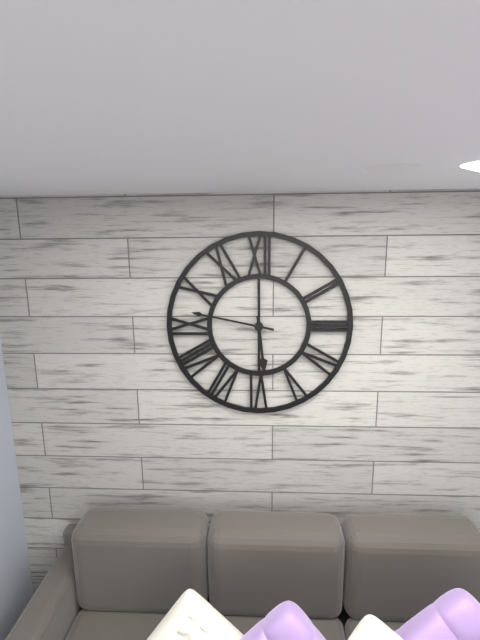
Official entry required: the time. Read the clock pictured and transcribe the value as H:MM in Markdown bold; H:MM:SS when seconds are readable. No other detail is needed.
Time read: **5:47**
